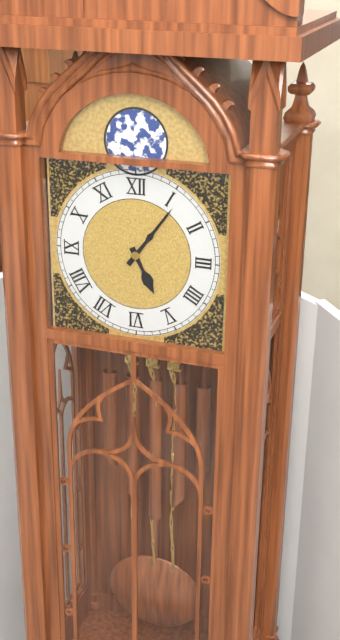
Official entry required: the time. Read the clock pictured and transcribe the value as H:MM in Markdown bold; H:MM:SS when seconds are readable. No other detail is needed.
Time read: **5:06**
